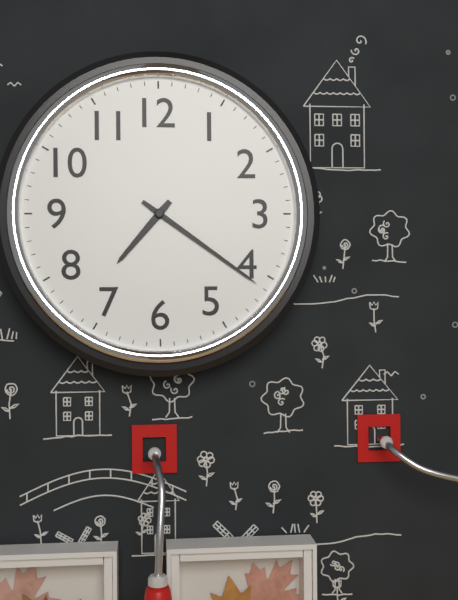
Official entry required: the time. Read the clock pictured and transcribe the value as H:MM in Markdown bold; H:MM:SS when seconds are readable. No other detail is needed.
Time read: **7:21**
